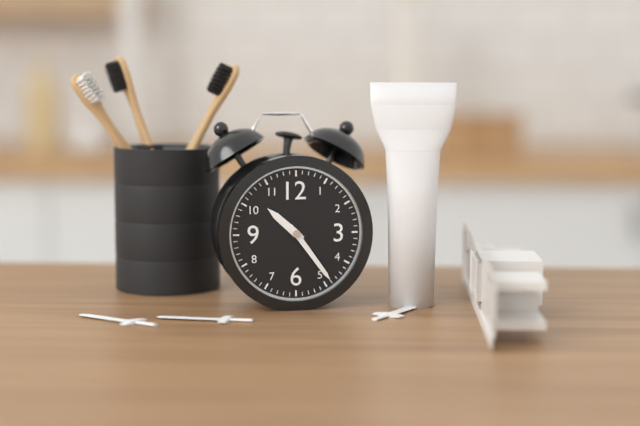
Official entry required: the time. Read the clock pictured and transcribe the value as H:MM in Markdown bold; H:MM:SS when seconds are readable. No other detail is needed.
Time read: **10:24**
